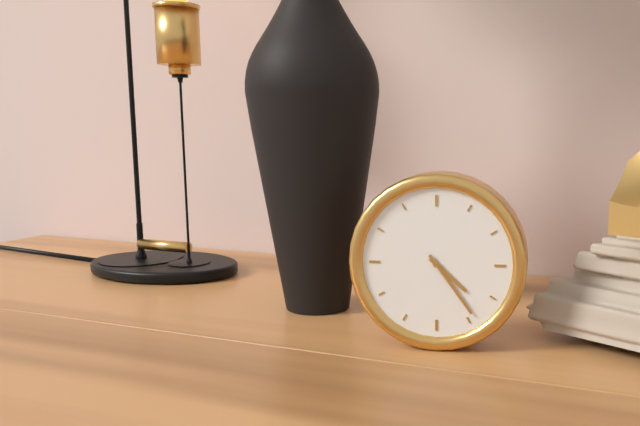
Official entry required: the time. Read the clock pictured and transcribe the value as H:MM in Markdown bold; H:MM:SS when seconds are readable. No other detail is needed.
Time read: **4:24**
